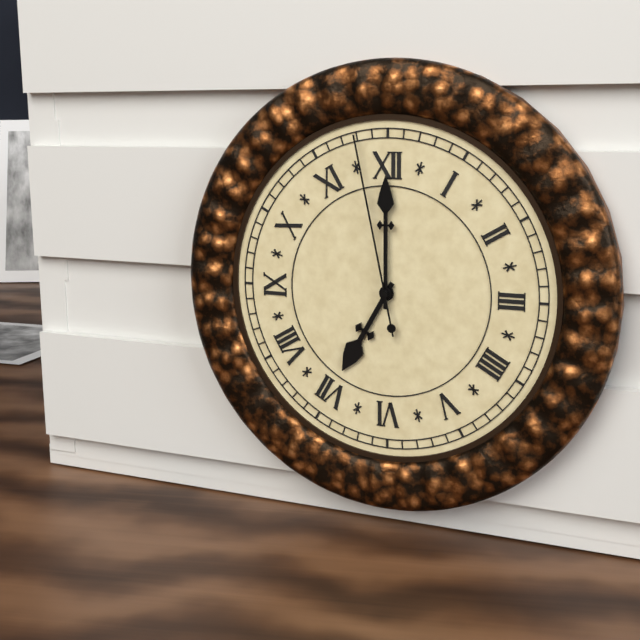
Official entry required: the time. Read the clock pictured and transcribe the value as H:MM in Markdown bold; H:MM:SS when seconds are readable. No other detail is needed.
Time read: **7:00:58**
